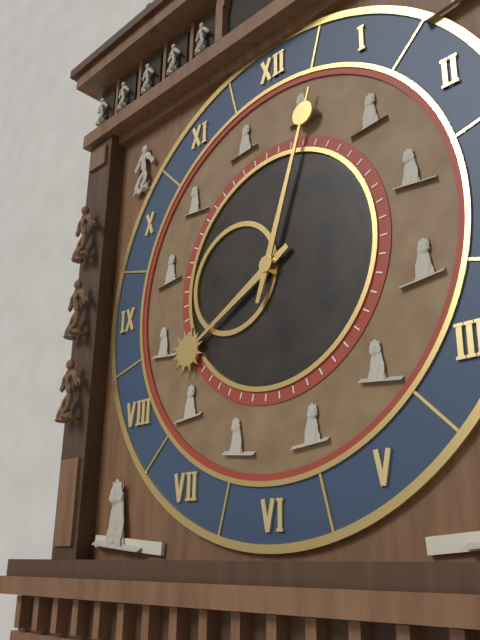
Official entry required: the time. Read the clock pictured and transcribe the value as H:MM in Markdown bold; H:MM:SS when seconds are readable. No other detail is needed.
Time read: **8:03**
